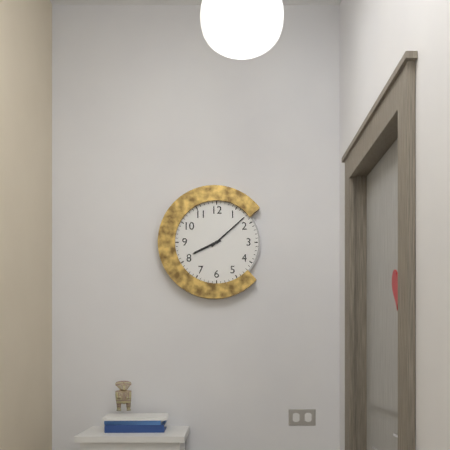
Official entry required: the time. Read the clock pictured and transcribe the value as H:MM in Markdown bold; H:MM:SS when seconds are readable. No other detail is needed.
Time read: **8:08**
